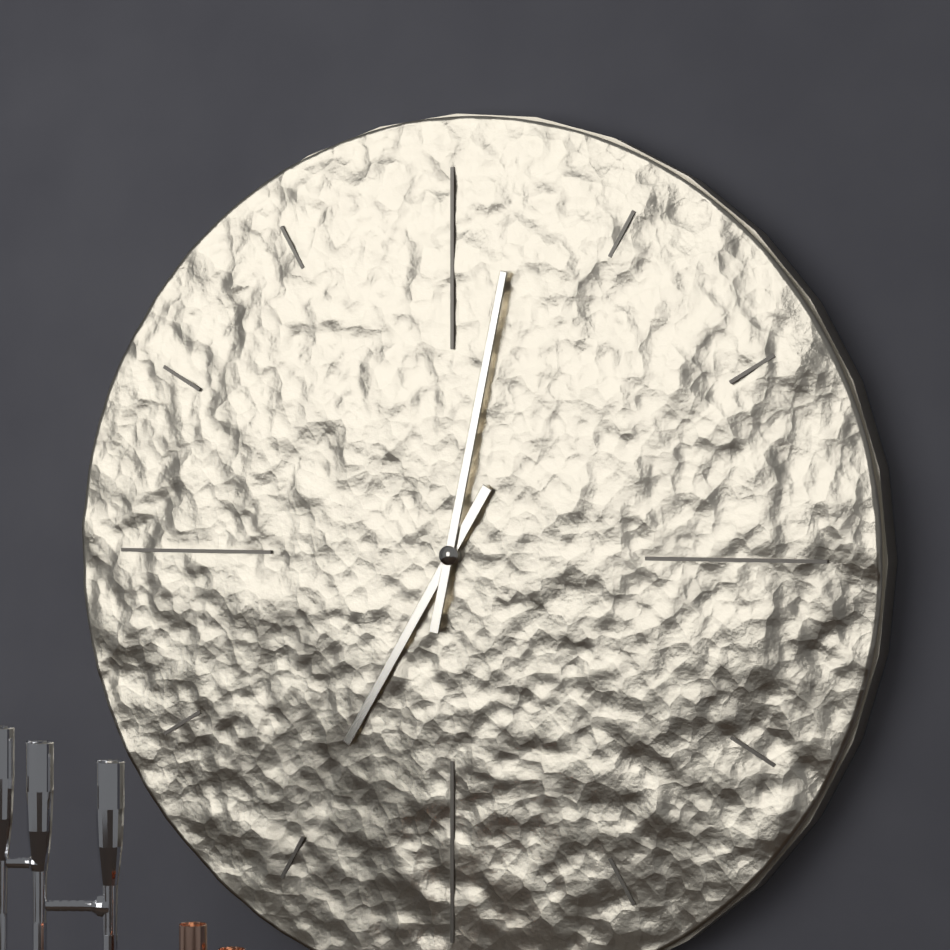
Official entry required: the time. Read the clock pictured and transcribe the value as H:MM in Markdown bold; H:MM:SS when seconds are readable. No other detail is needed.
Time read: **7:02**
